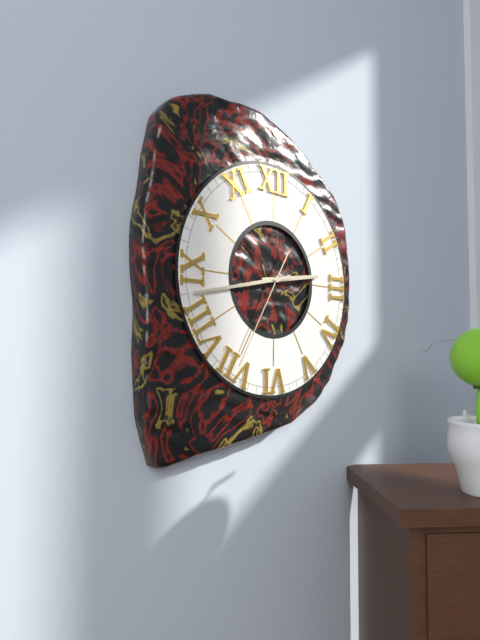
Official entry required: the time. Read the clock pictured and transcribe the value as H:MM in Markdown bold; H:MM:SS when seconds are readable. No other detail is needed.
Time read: **2:43:35**
